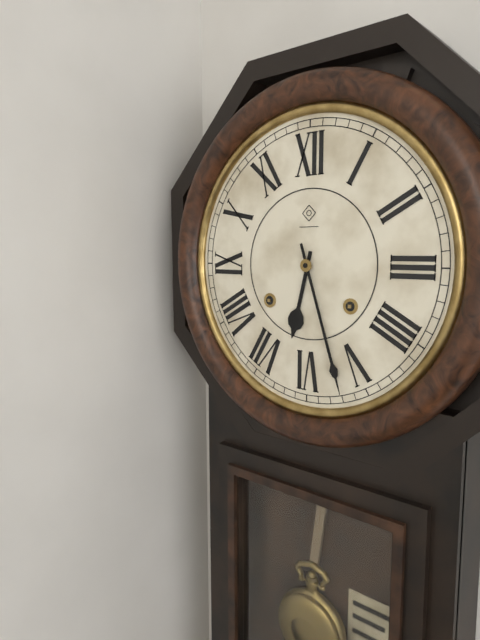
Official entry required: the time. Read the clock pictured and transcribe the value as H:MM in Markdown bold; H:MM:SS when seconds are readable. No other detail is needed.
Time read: **6:27**
